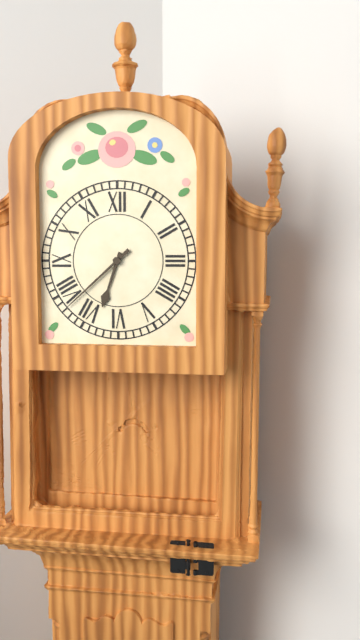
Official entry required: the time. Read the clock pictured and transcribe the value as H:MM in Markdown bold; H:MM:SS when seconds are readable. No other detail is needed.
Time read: **6:38**
